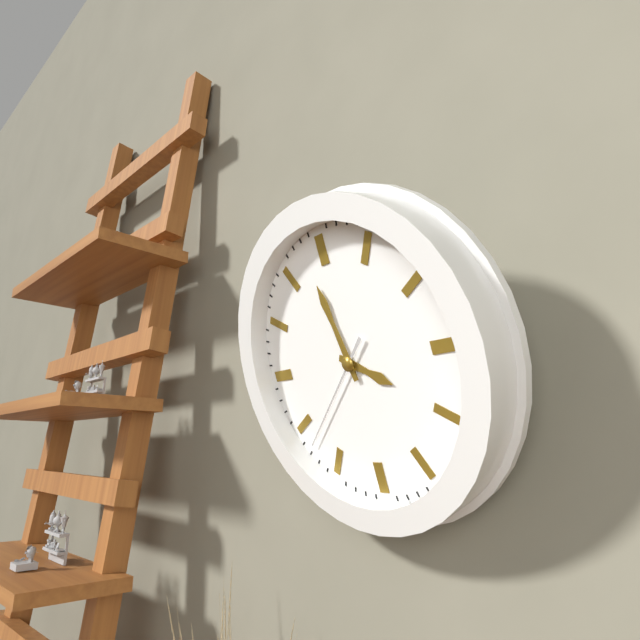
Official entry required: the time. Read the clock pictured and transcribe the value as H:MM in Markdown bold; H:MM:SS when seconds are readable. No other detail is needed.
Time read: **3:58:38**
